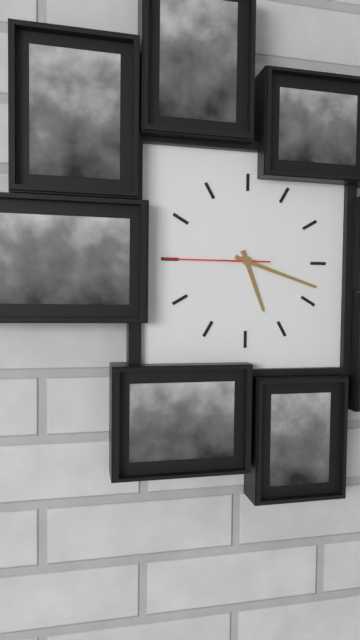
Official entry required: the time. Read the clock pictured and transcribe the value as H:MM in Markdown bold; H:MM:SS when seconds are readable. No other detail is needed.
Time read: **5:18:45**
